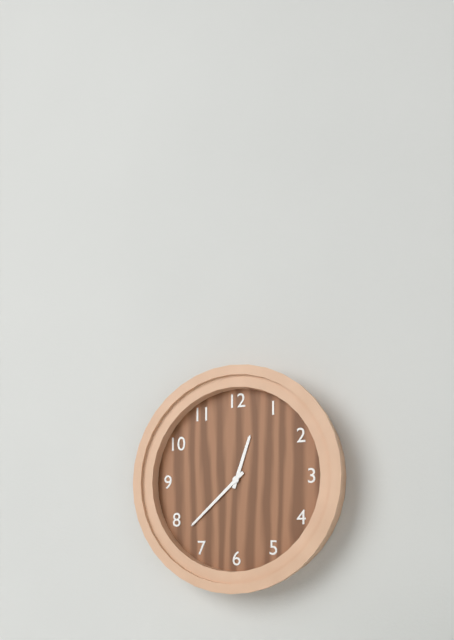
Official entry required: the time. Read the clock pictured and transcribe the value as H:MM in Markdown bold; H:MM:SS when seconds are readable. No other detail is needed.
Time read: **12:38**
